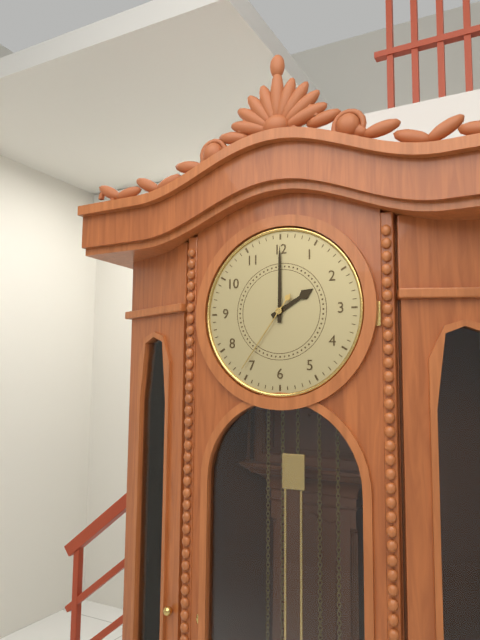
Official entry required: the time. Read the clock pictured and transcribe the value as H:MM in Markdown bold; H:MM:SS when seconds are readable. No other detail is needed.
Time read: **2:00:36**
